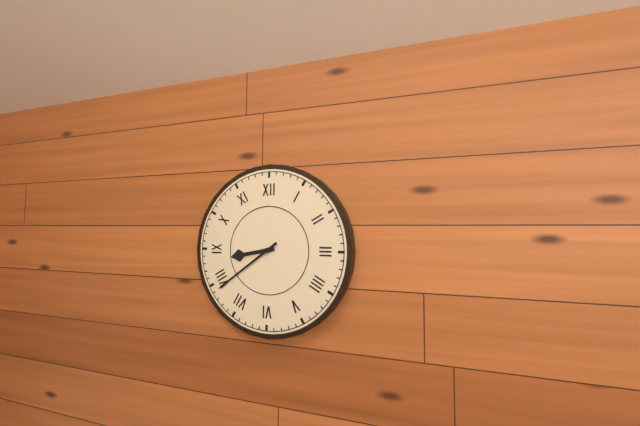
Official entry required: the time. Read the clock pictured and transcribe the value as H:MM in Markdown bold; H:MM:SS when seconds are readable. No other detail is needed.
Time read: **8:39**
